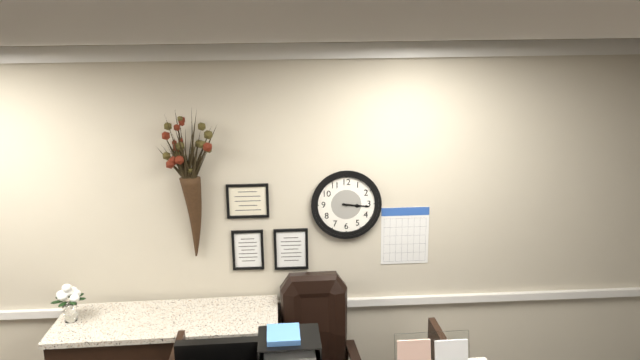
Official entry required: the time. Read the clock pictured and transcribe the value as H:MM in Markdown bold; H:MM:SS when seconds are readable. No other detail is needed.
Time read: **3:16**
